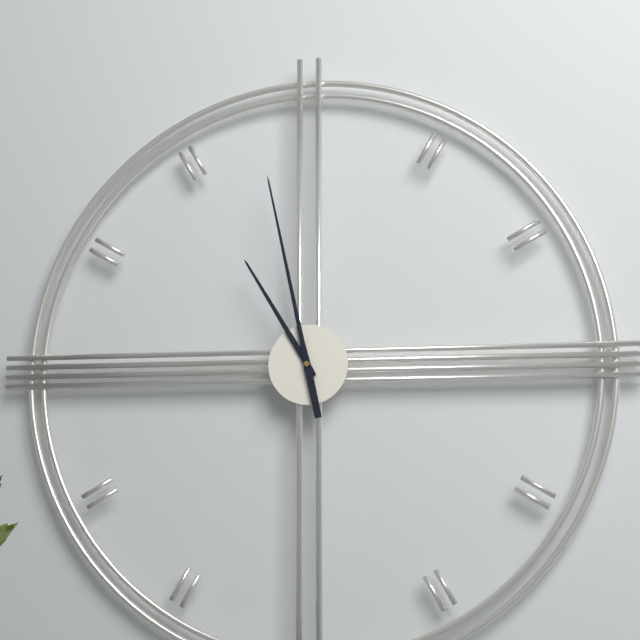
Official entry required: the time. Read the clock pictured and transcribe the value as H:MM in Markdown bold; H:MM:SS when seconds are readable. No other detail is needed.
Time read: **10:58**
